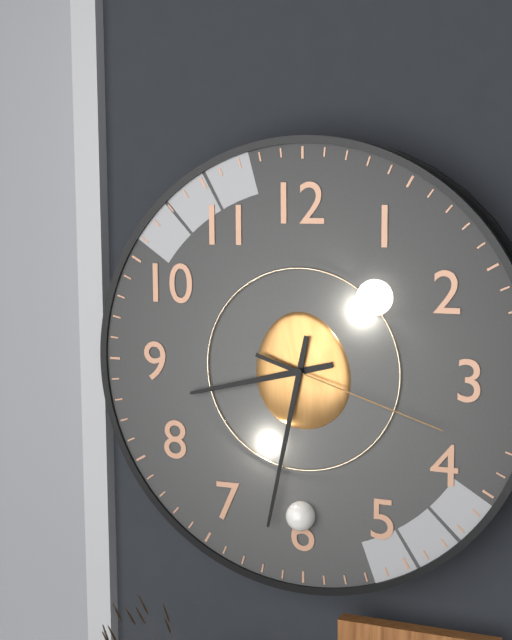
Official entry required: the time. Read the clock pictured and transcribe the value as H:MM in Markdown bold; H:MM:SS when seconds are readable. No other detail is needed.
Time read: **8:32:18**
